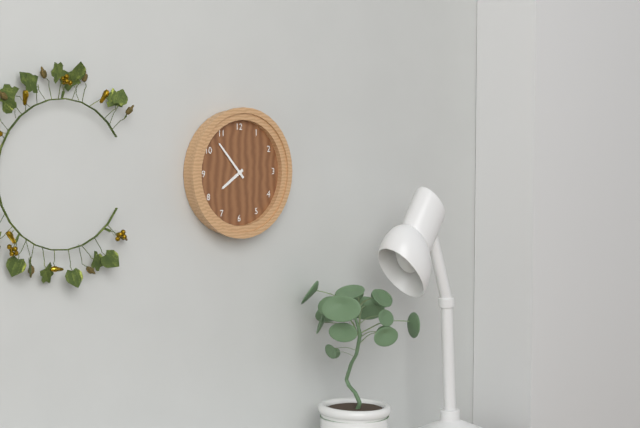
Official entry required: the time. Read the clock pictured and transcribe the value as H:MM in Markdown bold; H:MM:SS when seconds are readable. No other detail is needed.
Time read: **7:53**
